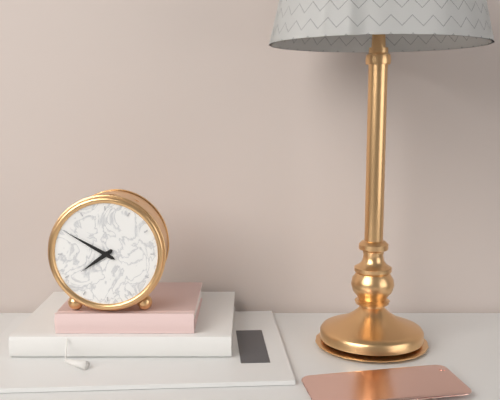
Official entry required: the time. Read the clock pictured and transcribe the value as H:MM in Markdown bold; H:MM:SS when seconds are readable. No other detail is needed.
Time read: **7:50**
